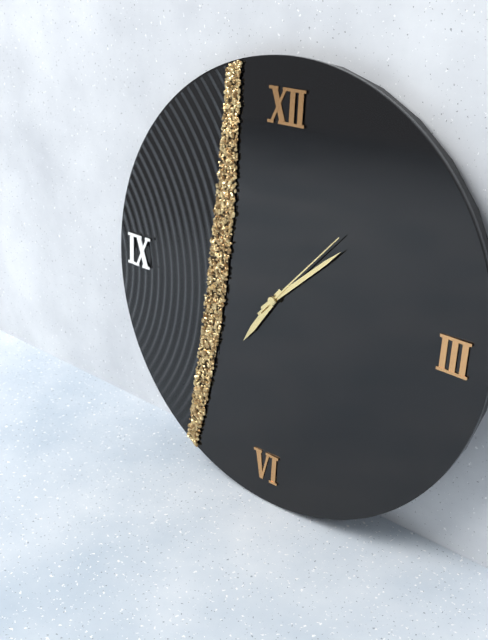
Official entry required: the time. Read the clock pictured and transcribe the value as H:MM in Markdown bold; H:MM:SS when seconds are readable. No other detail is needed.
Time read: **7:08:07**
